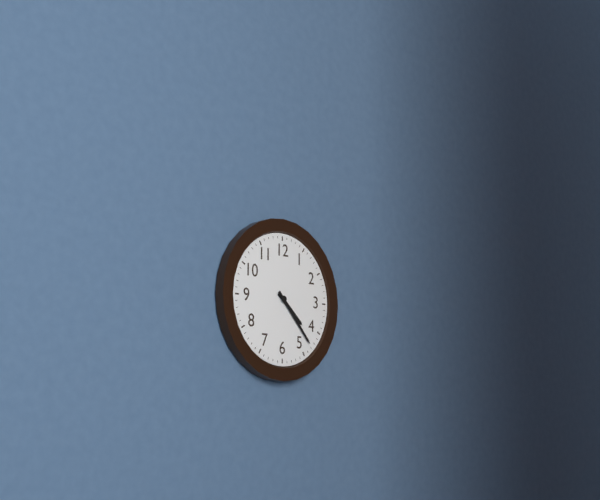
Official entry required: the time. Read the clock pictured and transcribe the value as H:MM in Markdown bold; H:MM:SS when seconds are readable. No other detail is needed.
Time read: **4:23**
